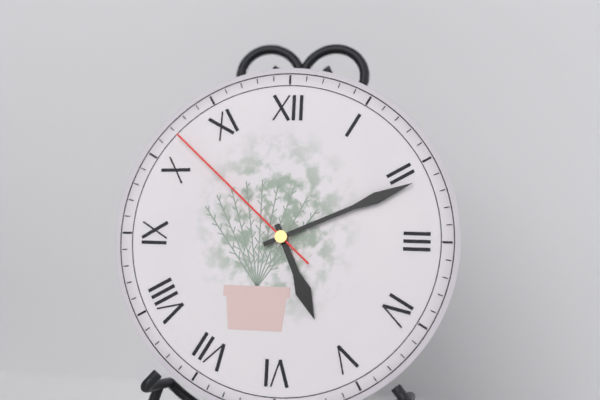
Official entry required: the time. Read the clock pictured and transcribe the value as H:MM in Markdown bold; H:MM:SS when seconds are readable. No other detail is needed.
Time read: **5:11:52**
